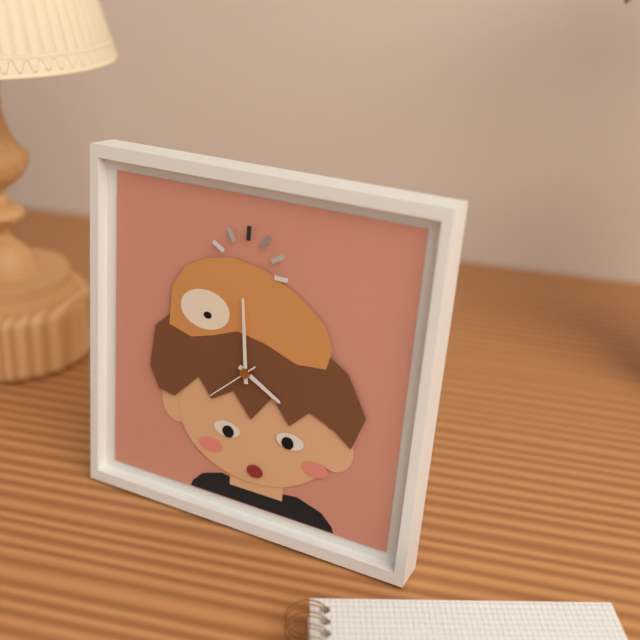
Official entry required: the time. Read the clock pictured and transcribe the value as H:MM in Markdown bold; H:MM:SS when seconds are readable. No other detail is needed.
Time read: **3:59:38**
